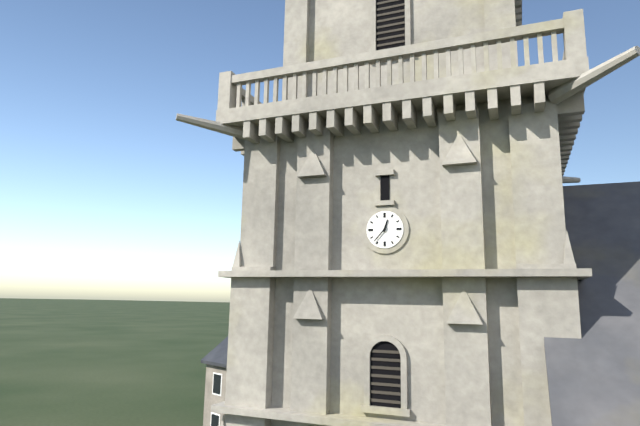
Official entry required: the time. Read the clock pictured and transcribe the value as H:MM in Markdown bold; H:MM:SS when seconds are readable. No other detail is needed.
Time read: **12:37**
